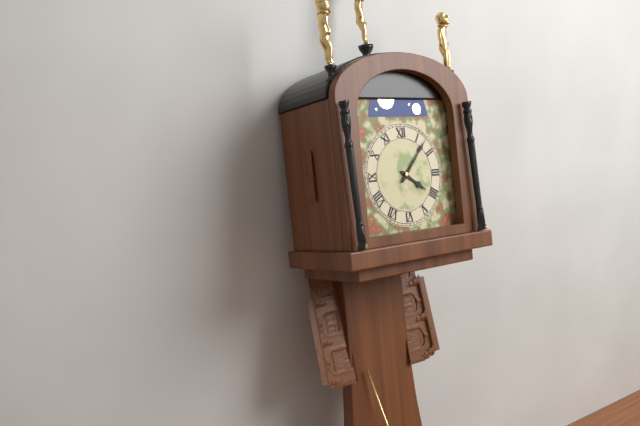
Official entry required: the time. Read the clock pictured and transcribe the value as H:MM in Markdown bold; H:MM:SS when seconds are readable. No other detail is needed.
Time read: **4:07**
